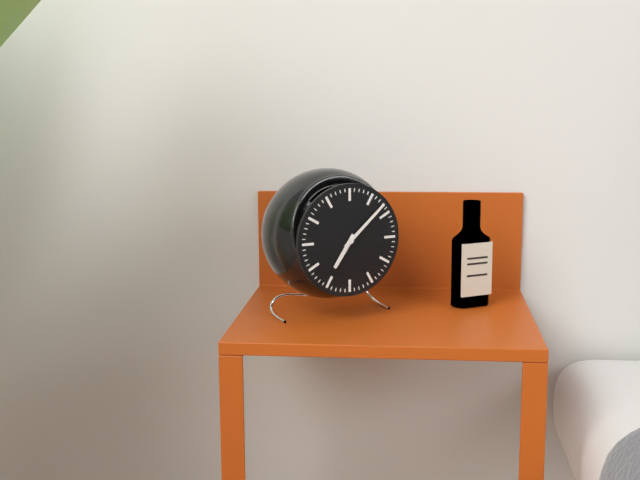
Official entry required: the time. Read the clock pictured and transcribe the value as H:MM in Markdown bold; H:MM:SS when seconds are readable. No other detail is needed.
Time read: **7:08**
